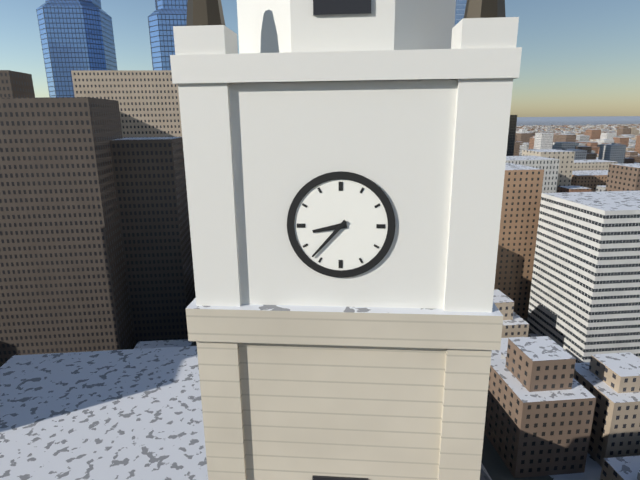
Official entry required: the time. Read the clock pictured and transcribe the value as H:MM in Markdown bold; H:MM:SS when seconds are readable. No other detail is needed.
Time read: **8:37**
